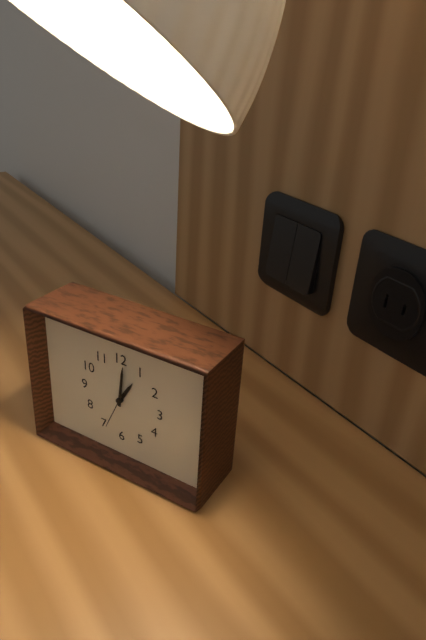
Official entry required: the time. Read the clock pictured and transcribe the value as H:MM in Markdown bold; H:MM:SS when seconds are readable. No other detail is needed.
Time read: **1:01:34**
